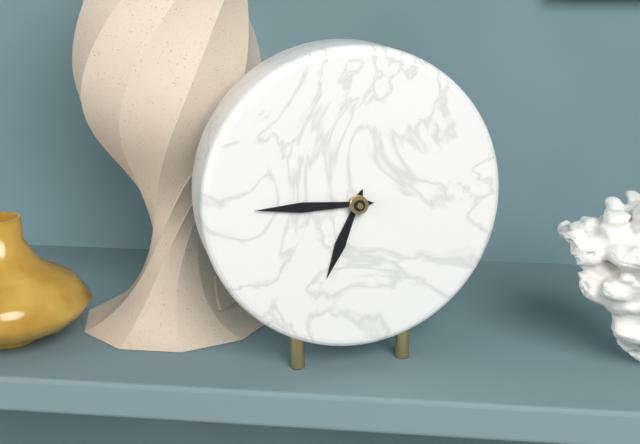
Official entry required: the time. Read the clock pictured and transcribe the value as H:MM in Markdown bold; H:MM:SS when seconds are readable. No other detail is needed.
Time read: **6:45**
